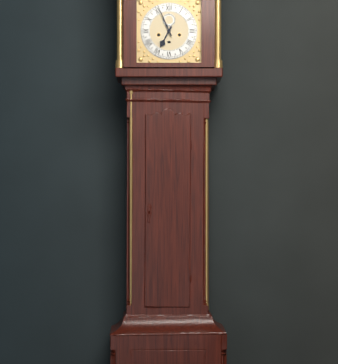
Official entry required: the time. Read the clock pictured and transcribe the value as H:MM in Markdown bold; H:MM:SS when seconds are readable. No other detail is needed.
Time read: **6:56**
